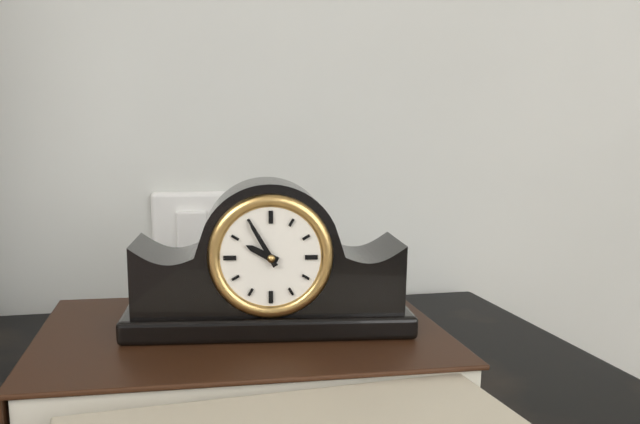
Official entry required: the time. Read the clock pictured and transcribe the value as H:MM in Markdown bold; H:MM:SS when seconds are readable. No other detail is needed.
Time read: **9:55**
